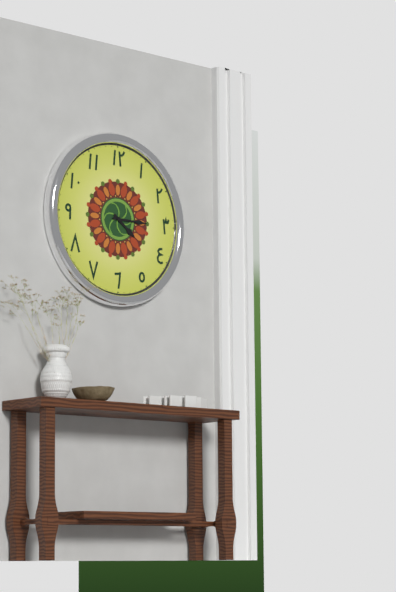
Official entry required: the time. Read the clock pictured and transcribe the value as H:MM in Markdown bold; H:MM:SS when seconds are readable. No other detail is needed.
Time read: **4:15**
